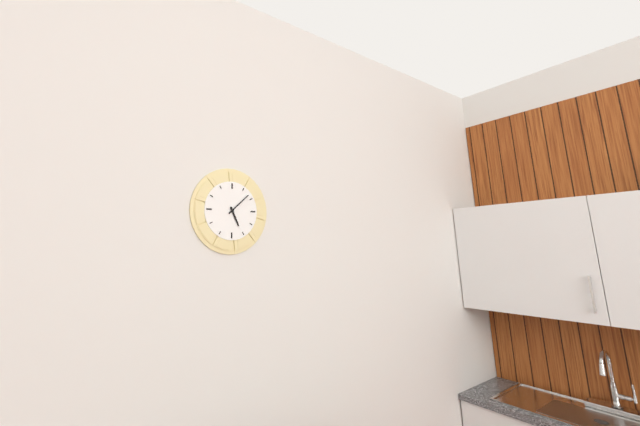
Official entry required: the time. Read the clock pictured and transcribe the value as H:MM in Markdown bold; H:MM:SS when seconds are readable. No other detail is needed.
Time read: **5:08**
